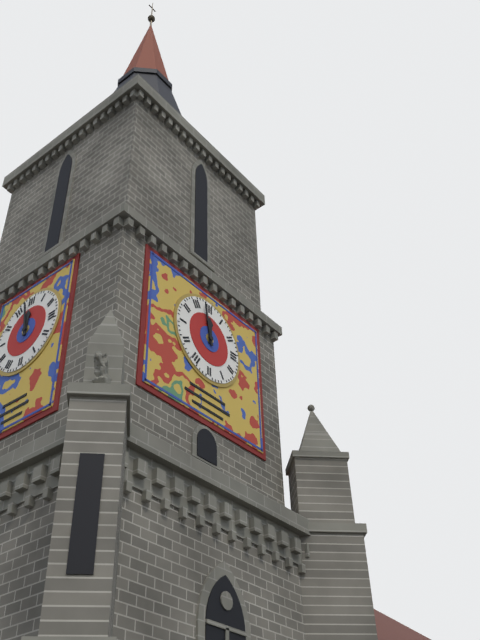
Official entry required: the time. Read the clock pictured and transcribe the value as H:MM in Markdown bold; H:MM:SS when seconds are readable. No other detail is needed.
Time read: **11:58**
